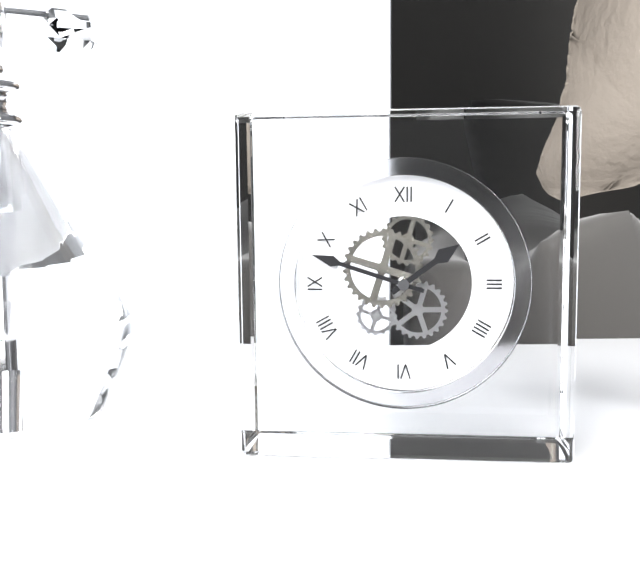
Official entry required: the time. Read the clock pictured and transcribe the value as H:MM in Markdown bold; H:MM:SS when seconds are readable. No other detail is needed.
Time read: **1:48**
